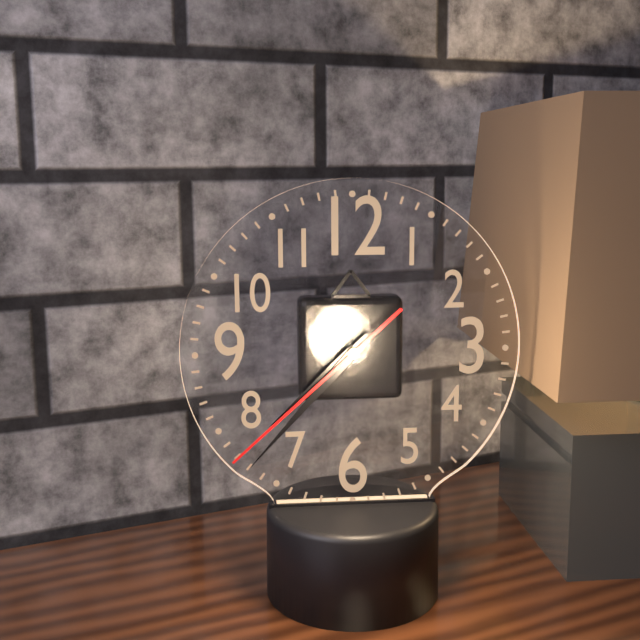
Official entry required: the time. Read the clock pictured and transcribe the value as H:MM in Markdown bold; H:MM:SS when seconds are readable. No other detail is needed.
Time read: **7:37:38**
